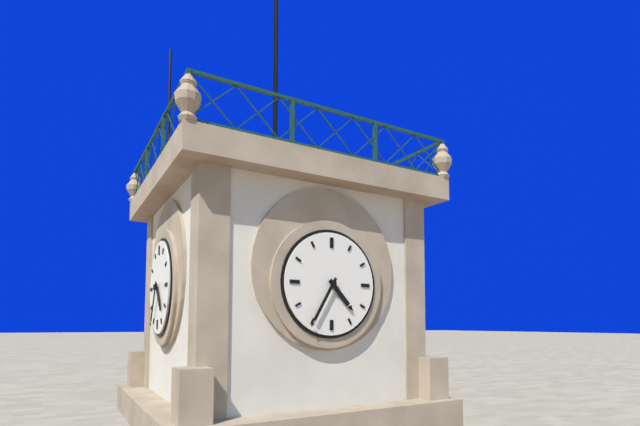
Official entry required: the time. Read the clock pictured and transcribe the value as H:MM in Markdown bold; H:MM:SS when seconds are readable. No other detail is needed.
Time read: **4:35**
